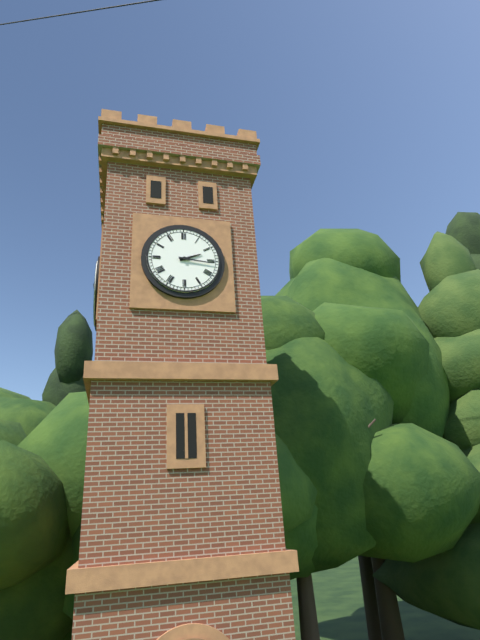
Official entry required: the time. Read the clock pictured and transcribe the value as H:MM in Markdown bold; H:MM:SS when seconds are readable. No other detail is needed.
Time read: **2:16**
